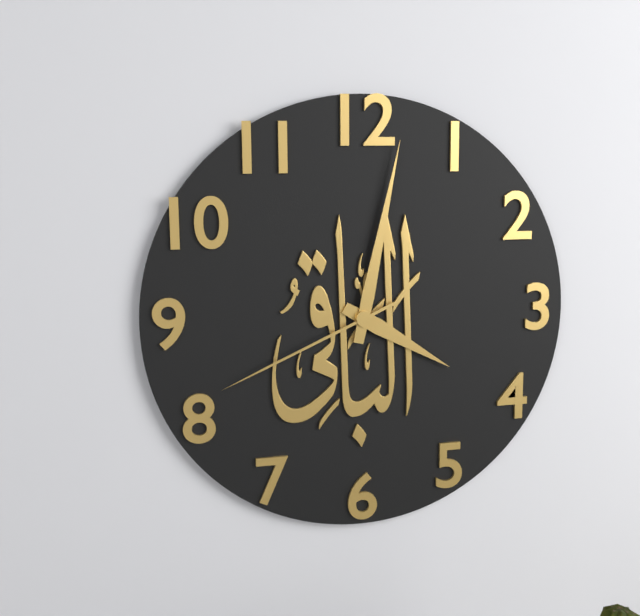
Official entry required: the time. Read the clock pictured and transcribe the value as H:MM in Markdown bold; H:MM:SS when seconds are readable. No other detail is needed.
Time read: **4:02:41**
